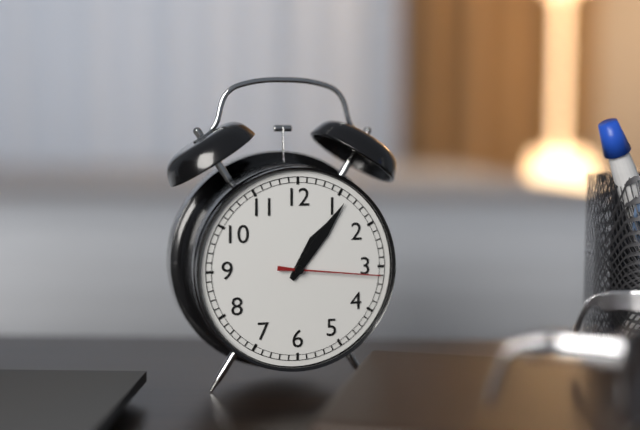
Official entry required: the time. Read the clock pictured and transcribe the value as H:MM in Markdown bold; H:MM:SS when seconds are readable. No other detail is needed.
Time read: **1:06:16**
